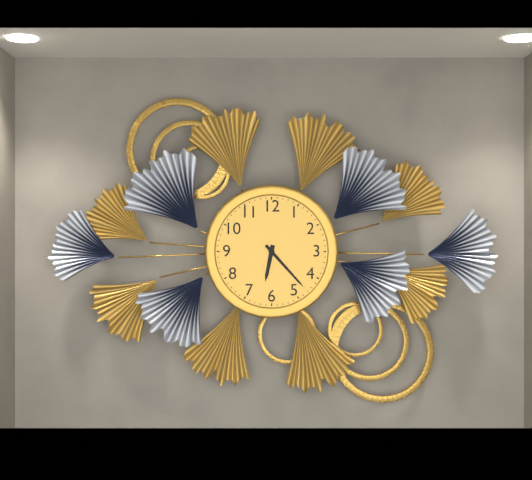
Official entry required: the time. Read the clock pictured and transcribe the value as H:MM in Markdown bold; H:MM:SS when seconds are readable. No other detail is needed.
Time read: **6:23**
